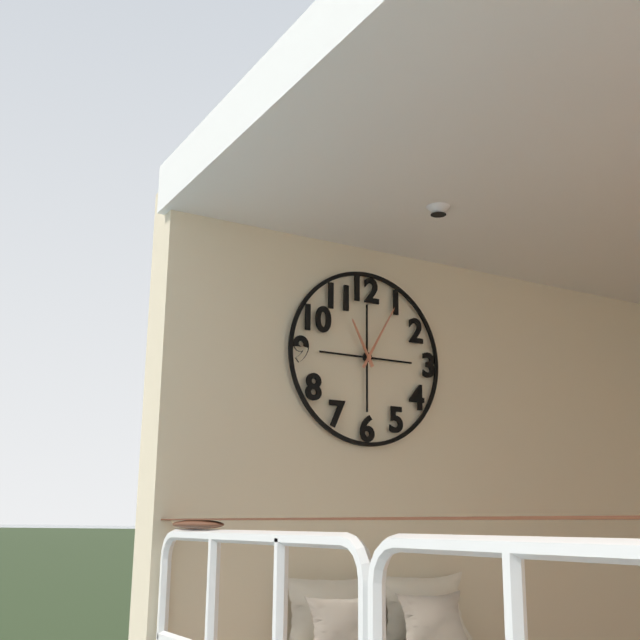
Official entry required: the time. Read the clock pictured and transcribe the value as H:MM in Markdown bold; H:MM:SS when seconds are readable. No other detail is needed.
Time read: **11:05**
